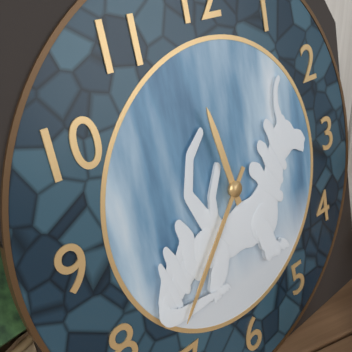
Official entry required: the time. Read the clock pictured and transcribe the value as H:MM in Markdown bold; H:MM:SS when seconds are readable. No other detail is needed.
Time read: **11:37**
